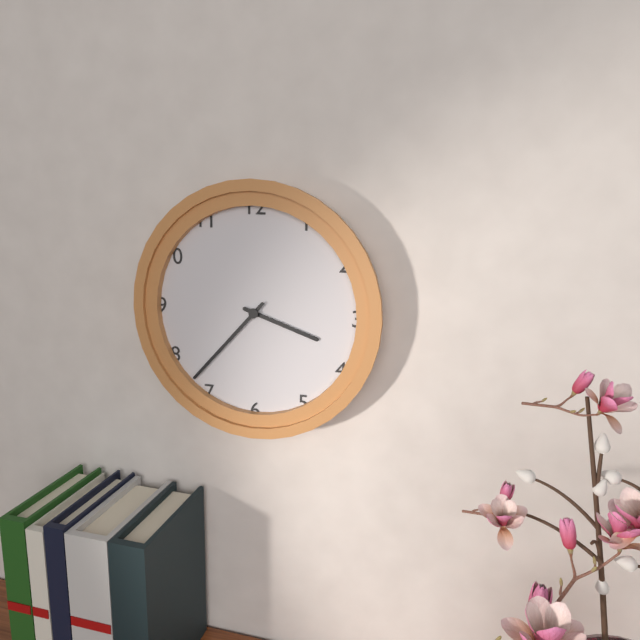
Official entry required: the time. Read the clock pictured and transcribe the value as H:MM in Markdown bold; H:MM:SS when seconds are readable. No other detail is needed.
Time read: **3:37**
